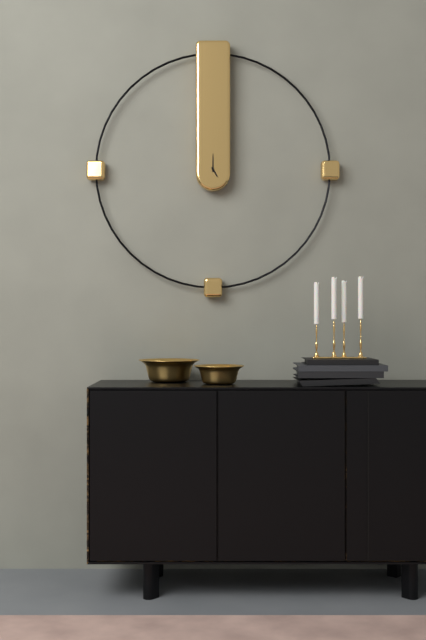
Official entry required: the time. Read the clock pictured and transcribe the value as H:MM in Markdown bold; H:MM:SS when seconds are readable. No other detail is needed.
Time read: **5:00**
